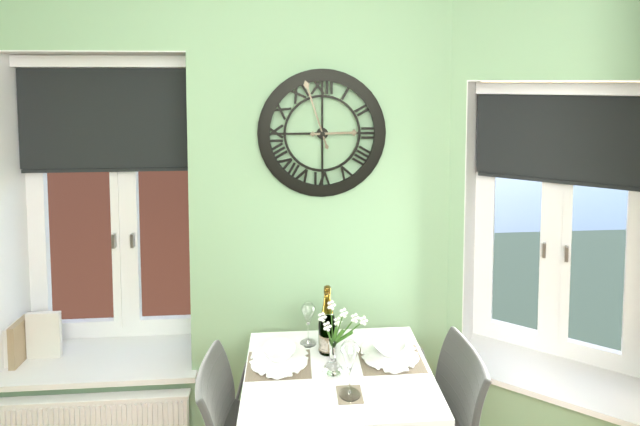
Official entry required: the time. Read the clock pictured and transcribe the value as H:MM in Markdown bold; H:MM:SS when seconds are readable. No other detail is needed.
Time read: **2:57**
